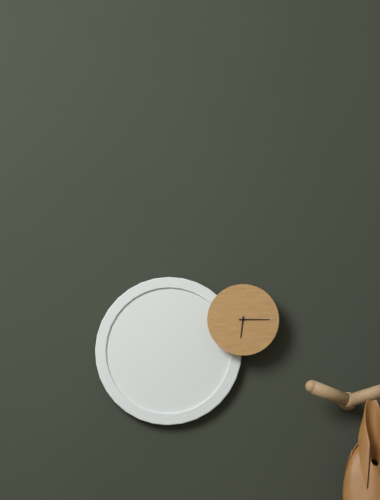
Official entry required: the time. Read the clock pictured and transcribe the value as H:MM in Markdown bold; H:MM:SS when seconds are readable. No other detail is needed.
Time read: **6:15**
